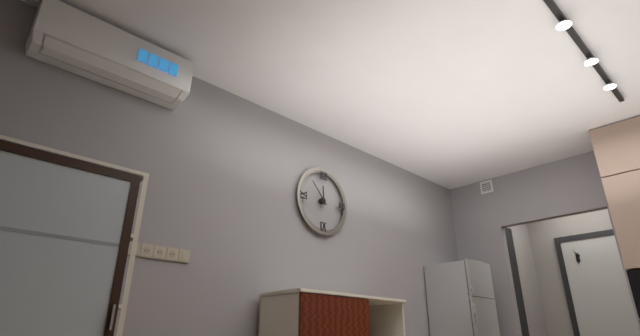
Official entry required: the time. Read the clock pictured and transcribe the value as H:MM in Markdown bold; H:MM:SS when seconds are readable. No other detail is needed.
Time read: **11:53**
